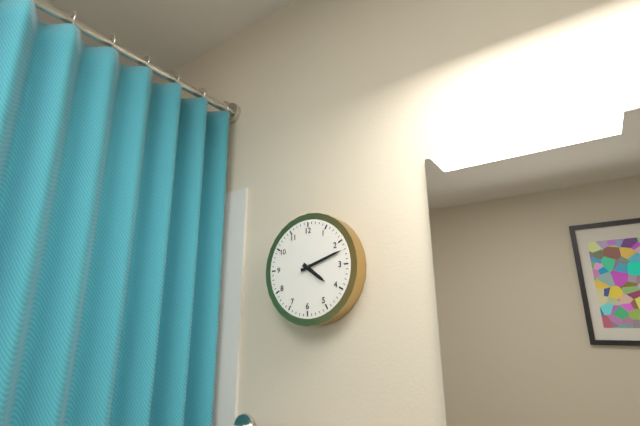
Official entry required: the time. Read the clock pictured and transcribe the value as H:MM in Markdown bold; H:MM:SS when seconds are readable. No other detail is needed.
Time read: **4:12**
